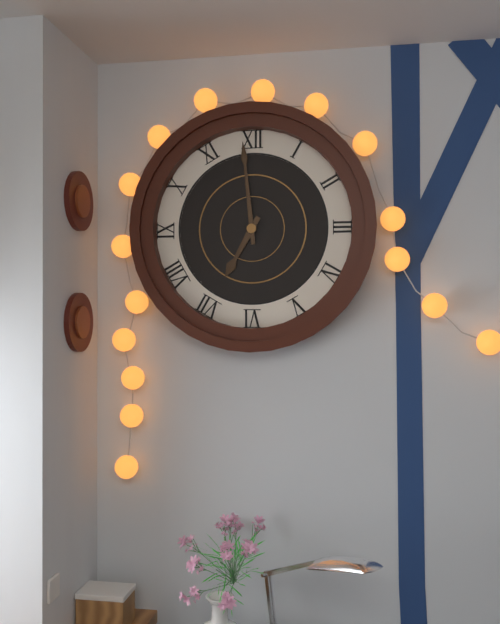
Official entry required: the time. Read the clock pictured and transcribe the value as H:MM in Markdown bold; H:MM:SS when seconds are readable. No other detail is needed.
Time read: **6:59**
